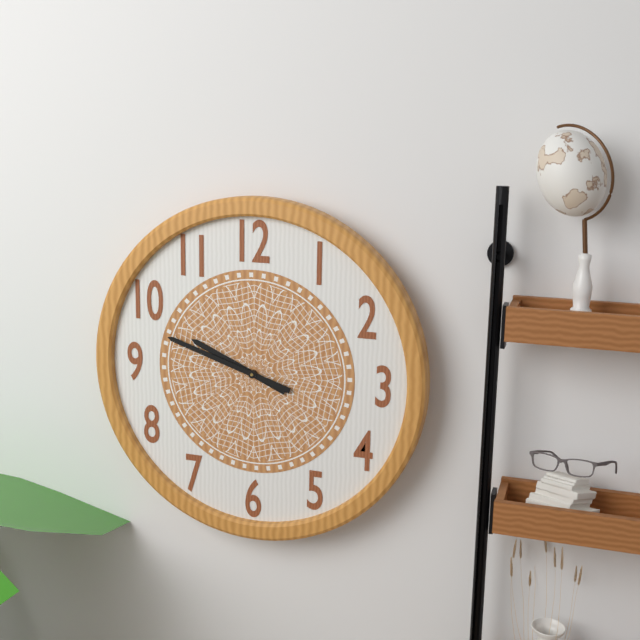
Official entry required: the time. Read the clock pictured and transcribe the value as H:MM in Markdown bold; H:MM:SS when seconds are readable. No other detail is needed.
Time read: **9:48**
